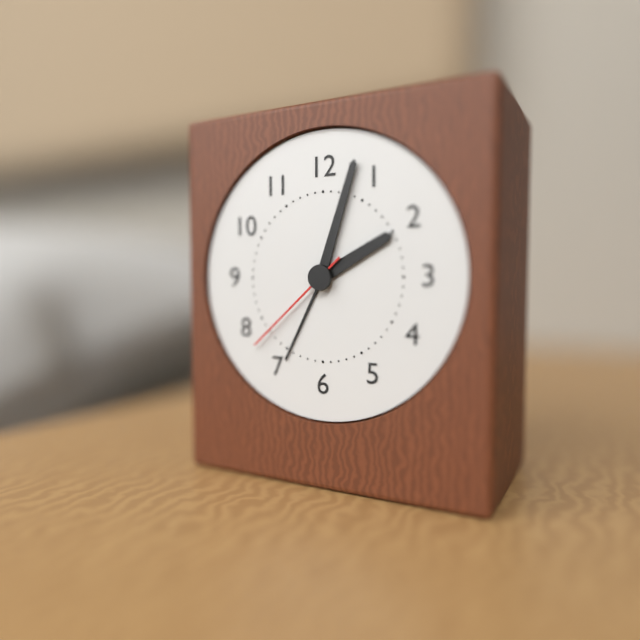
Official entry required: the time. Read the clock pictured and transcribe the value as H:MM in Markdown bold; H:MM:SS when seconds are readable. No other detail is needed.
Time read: **2:03:38**
